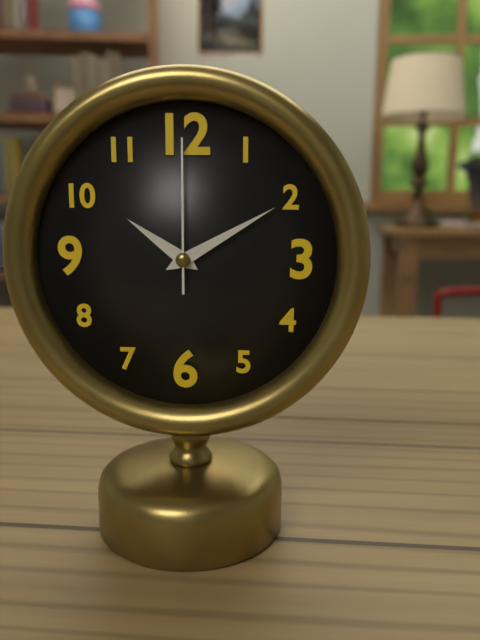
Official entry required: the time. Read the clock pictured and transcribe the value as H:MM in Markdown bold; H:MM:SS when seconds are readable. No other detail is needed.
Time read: **10:10:00**
